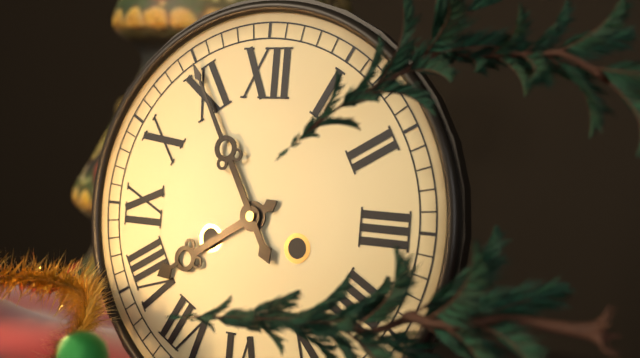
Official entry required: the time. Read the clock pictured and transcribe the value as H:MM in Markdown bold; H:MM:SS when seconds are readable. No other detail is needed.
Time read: **7:55**
